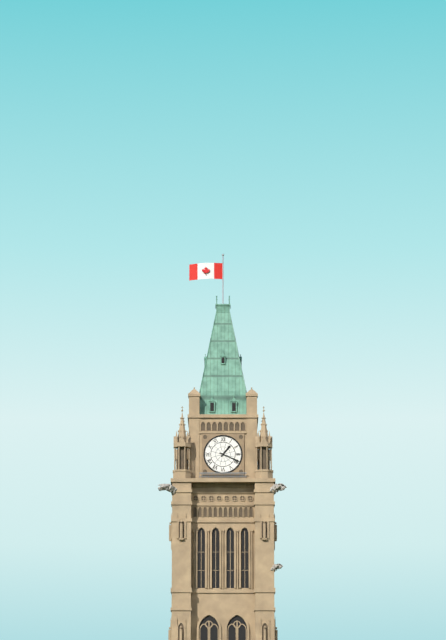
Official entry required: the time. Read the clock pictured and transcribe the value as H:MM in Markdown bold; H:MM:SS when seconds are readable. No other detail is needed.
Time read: **1:19**
